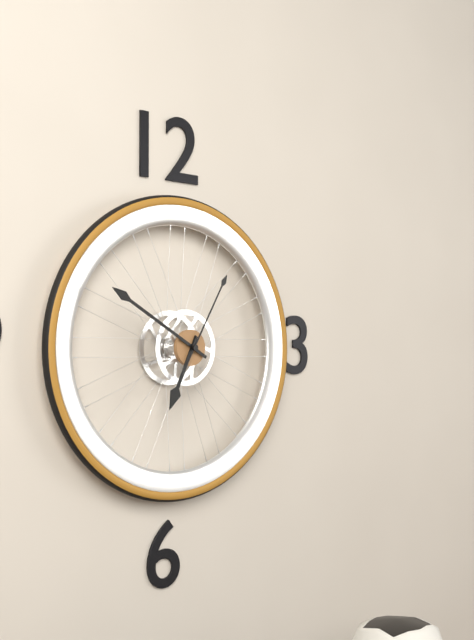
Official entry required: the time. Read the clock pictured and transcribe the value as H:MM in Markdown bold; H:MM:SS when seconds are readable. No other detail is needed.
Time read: **6:50:05**
